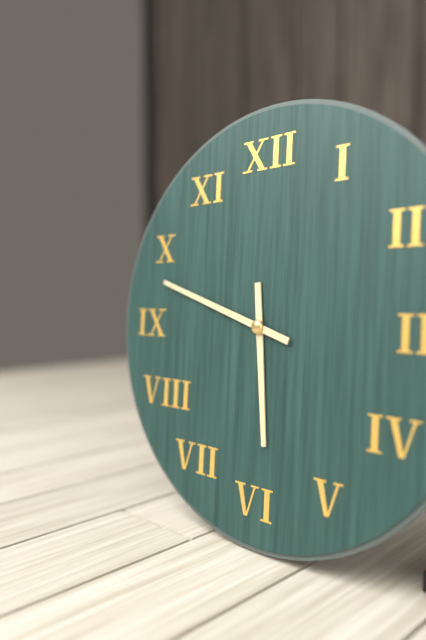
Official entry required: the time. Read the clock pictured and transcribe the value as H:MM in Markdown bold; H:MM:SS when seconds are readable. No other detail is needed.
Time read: **5:48**
